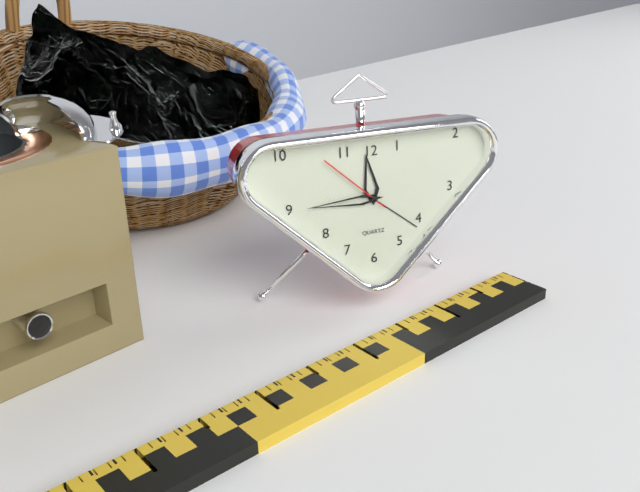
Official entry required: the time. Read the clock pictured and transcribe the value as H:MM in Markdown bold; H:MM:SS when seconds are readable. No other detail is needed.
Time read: **11:45:52**
